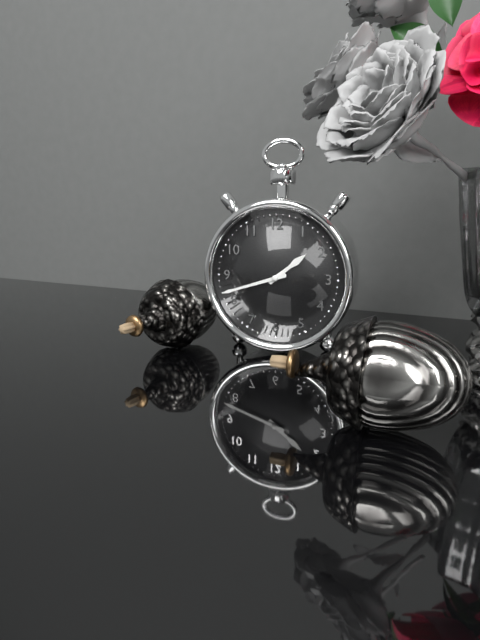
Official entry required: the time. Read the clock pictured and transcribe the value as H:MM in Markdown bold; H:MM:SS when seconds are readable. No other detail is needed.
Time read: **1:42**
